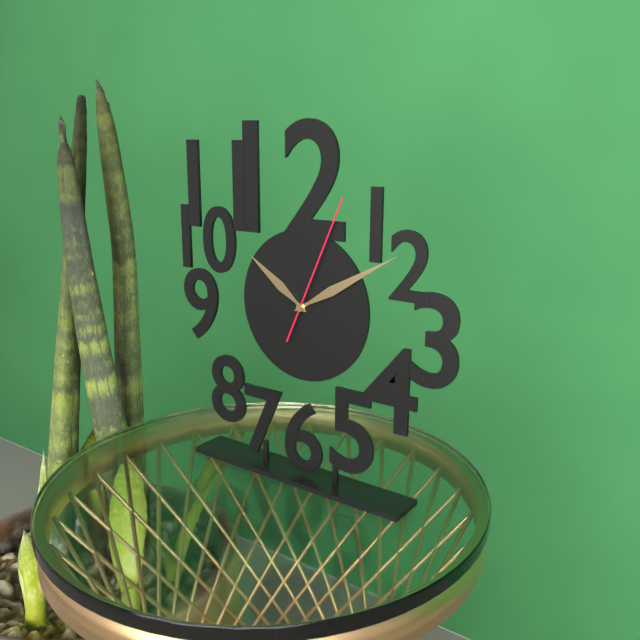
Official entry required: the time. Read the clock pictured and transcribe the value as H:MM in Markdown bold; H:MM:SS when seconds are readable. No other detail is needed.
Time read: **10:10:04**
